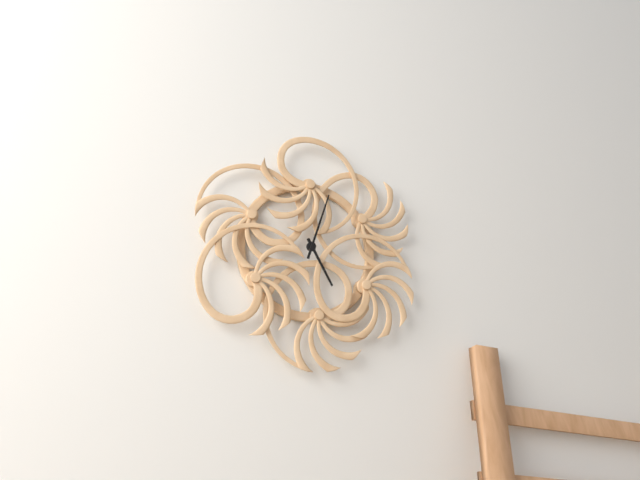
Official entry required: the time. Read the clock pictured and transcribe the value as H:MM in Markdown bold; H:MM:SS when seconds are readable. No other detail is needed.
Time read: **5:03**
